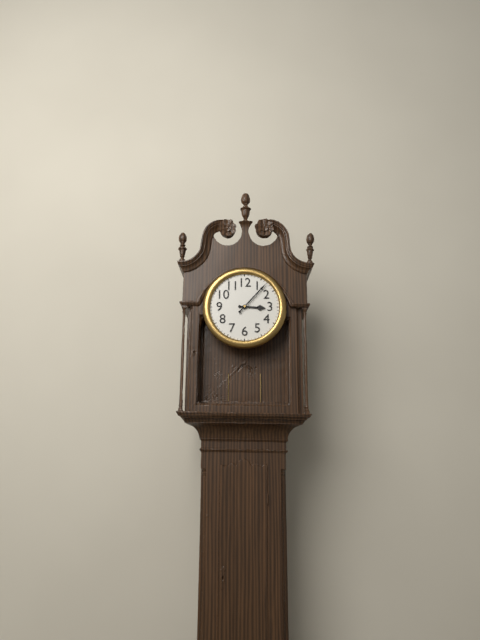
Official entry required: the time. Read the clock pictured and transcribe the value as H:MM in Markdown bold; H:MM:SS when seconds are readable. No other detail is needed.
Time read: **3:07**
